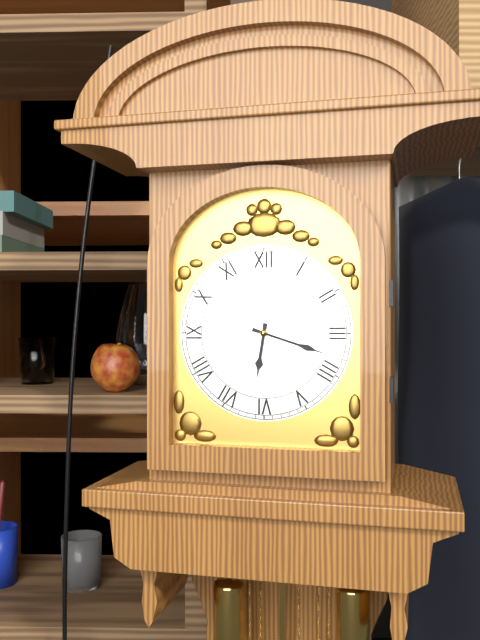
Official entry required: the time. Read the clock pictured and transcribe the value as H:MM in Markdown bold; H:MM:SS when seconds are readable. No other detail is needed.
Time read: **6:18**
